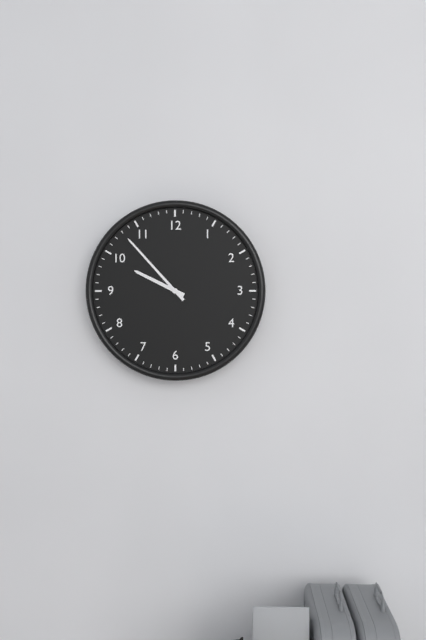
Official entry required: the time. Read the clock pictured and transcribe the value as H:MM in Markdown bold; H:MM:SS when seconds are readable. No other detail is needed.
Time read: **9:53**
